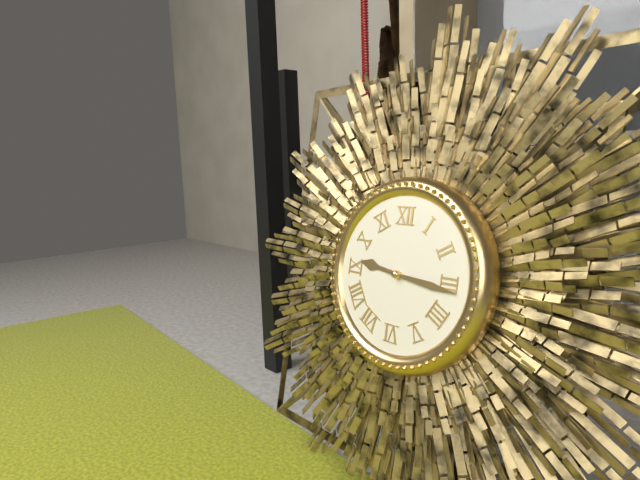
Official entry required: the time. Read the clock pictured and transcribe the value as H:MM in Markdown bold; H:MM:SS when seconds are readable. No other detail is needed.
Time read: **9:16**
